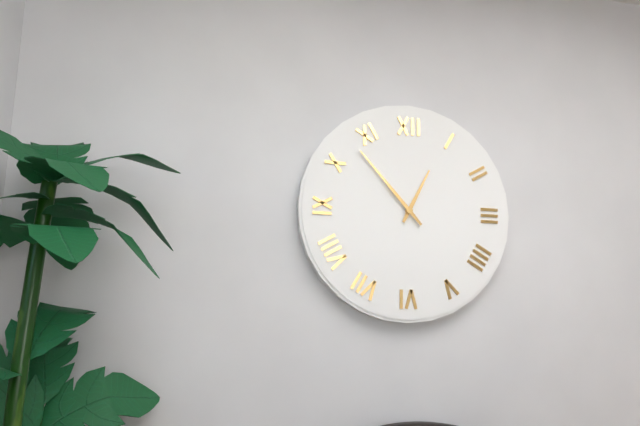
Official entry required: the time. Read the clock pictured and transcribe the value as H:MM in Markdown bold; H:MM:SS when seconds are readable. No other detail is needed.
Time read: **12:53**
